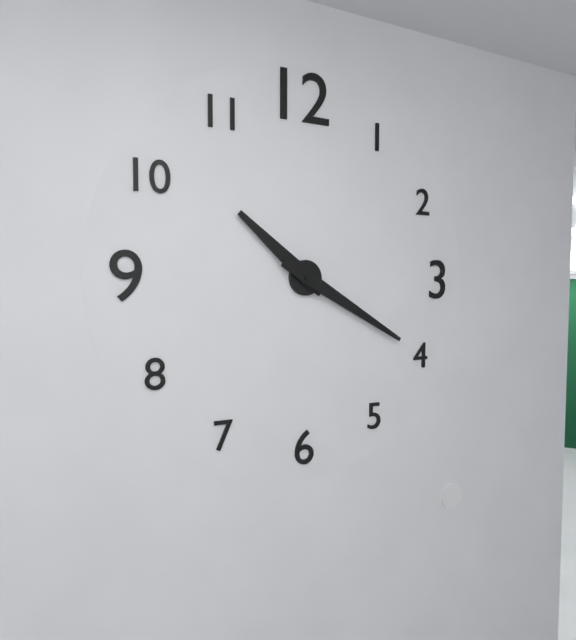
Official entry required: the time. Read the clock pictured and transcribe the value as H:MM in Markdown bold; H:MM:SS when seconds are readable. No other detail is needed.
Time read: **10:20**
